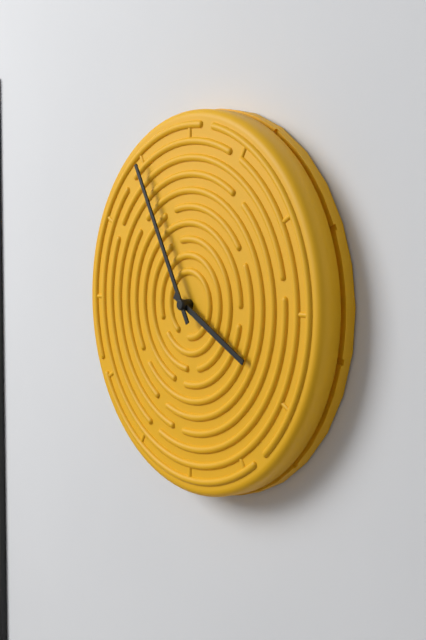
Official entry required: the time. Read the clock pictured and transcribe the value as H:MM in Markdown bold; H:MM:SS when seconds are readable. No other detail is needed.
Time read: **3:55**
